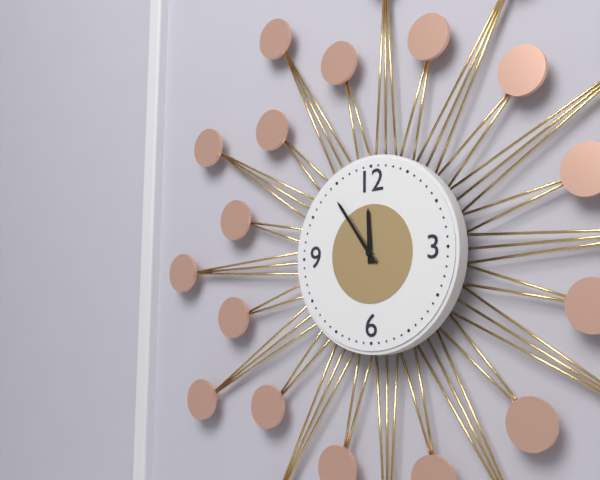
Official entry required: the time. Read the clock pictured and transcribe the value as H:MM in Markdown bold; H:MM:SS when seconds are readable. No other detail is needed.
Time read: **11:54**
